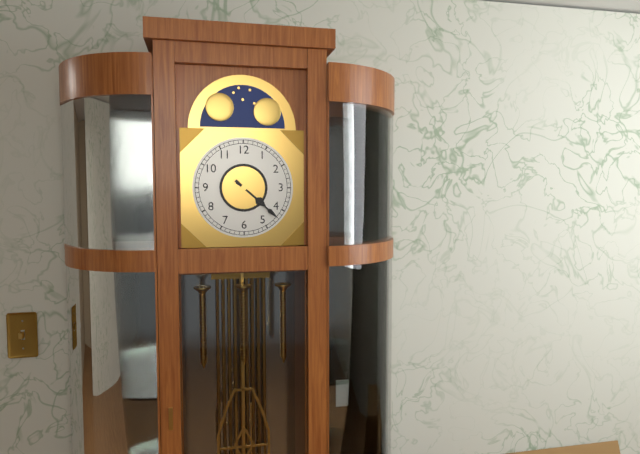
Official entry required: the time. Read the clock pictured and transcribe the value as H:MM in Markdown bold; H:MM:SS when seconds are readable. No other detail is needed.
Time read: **4:22**
